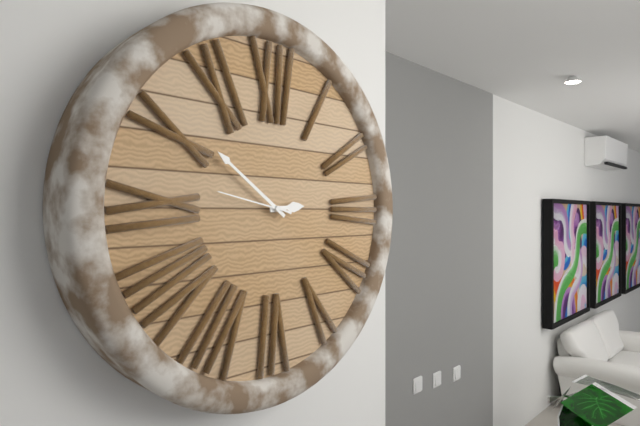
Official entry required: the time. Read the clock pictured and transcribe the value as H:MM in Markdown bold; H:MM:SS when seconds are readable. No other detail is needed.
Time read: **2:51:47**
